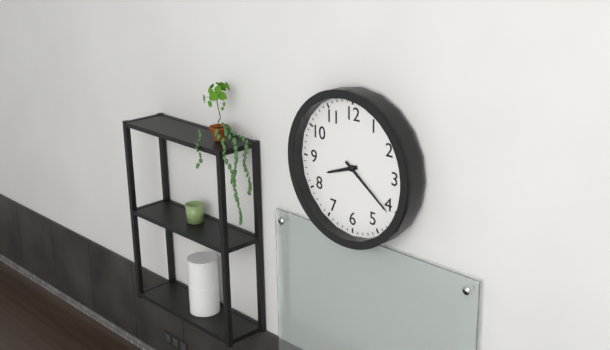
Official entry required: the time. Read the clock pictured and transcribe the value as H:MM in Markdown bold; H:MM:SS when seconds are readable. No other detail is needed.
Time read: **8:21**
